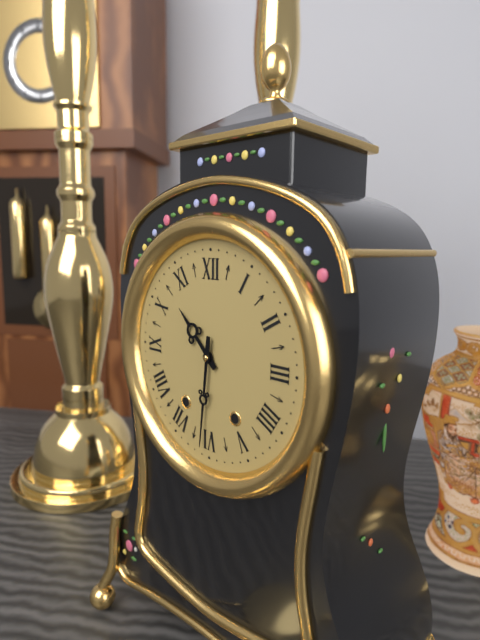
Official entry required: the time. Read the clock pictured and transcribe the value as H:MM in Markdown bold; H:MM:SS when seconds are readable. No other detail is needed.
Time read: **10:31**
